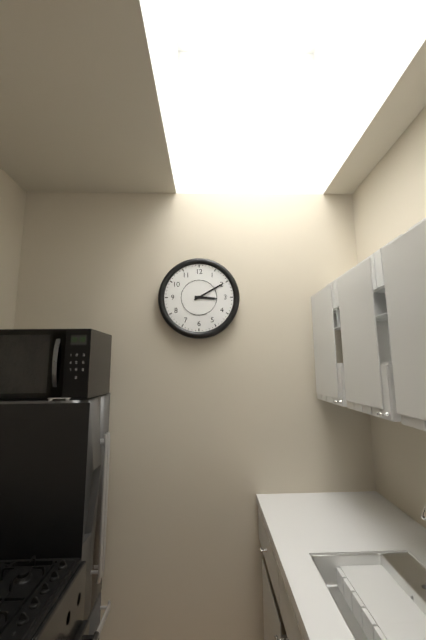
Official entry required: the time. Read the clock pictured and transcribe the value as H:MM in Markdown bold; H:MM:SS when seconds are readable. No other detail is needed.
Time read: **3:10**
